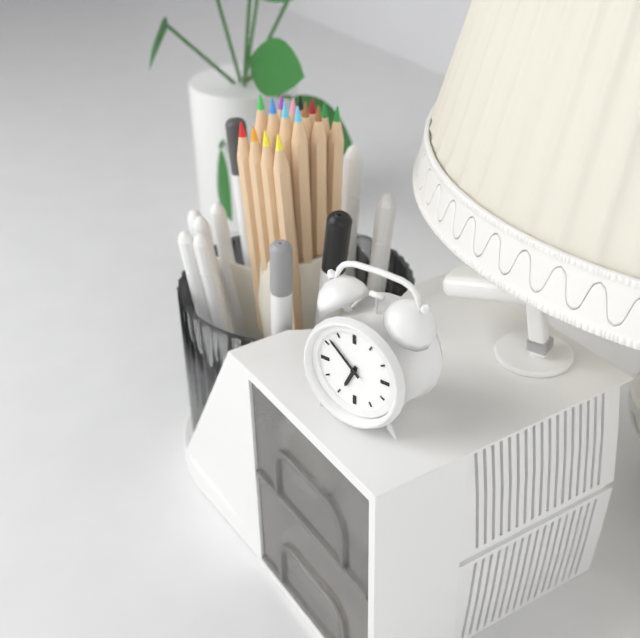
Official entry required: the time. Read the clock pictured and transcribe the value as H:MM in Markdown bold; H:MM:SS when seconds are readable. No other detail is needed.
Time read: **6:52**
